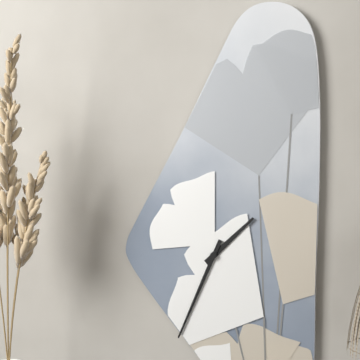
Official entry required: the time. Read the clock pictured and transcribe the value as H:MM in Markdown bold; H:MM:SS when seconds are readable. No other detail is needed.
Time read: **1:34**
